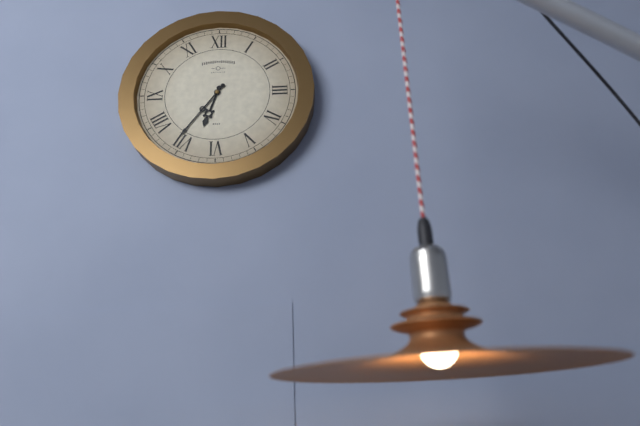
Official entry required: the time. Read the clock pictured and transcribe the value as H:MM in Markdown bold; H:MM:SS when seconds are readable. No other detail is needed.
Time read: **6:36**
